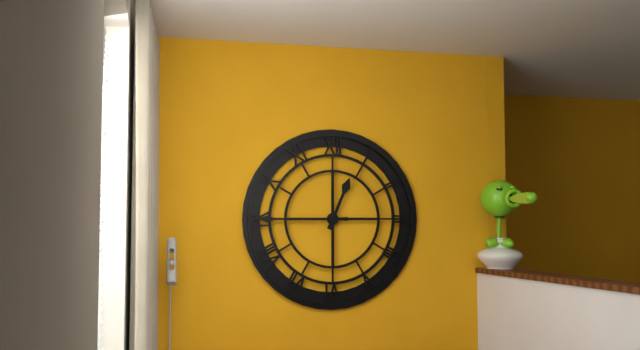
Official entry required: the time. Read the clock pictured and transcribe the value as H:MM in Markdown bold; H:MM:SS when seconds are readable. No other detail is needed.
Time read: **12:45**
